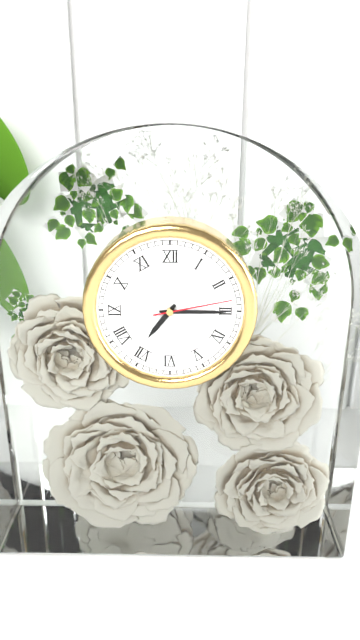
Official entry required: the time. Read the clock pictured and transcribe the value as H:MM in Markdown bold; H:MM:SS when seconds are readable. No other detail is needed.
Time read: **7:15:13**
